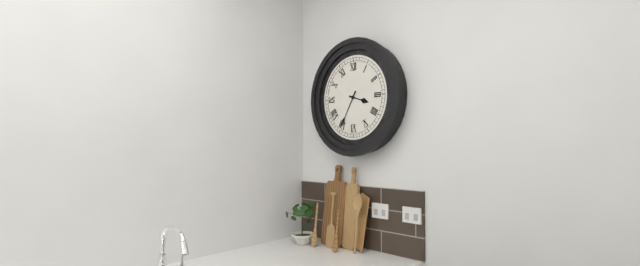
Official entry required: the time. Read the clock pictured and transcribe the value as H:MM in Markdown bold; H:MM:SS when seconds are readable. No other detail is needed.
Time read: **3:35**
